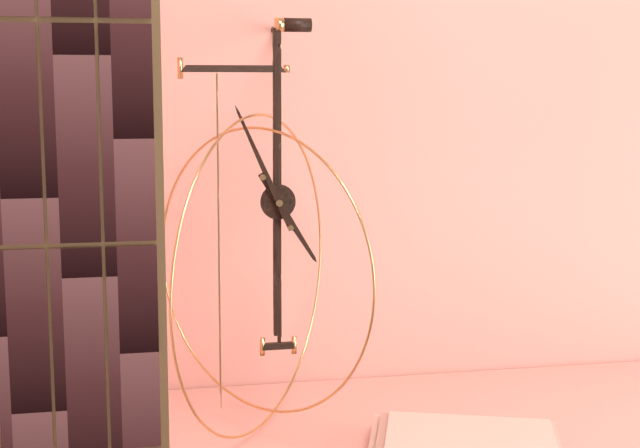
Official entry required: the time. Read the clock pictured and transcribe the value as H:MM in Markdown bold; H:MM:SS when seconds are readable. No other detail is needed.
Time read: **4:56**
